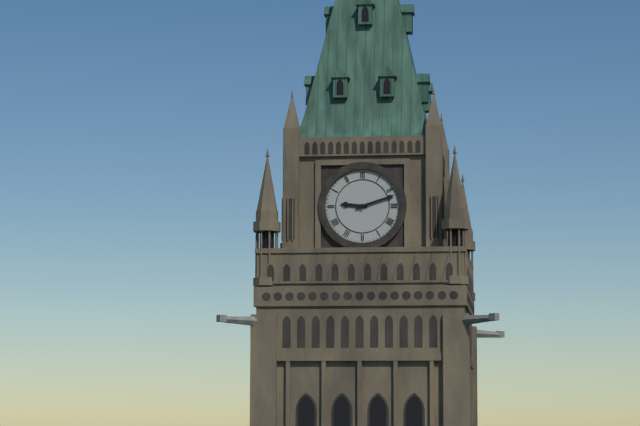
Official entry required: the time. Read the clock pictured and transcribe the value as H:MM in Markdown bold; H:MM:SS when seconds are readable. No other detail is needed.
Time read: **9:12**
